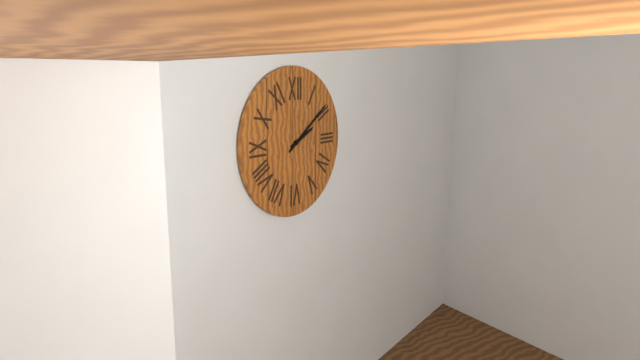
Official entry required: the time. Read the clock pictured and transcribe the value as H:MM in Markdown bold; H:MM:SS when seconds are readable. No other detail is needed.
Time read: **2:09**
